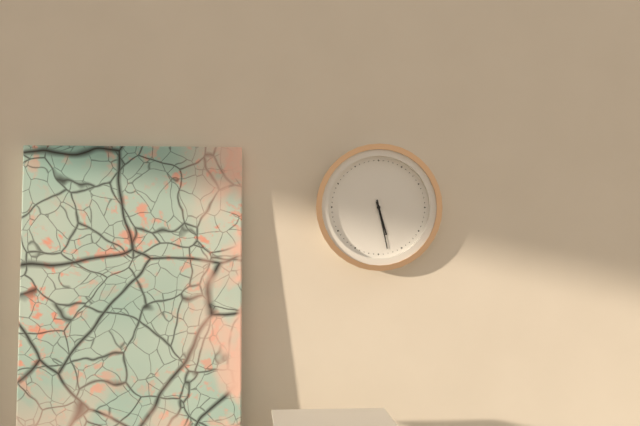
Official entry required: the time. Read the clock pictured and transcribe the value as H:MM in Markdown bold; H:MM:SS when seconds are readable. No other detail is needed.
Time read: **5:28**
